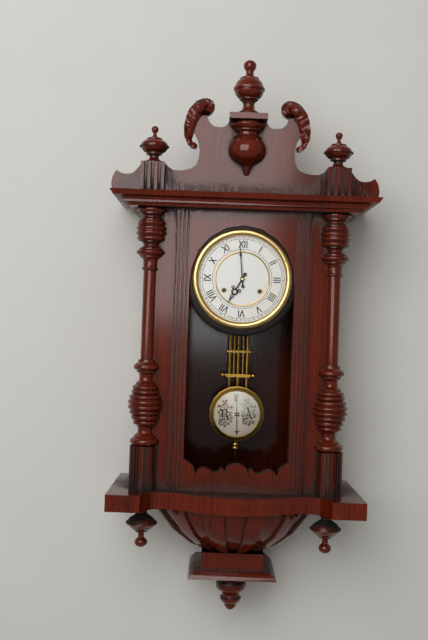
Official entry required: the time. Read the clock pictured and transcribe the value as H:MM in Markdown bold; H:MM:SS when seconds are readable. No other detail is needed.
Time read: **6:59**
